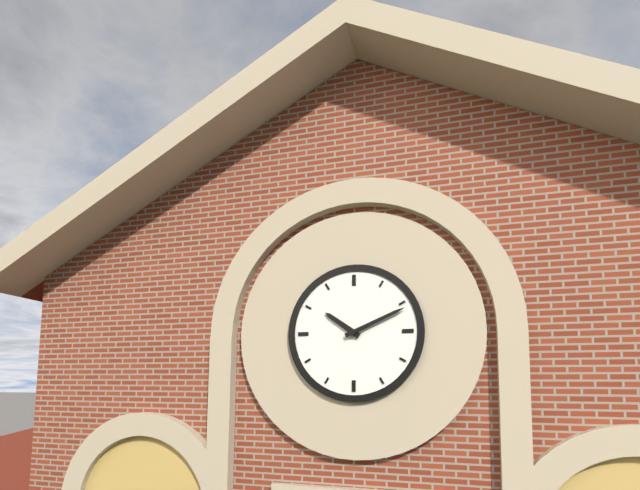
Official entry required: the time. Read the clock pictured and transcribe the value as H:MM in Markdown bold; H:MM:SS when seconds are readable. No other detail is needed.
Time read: **10:11**
